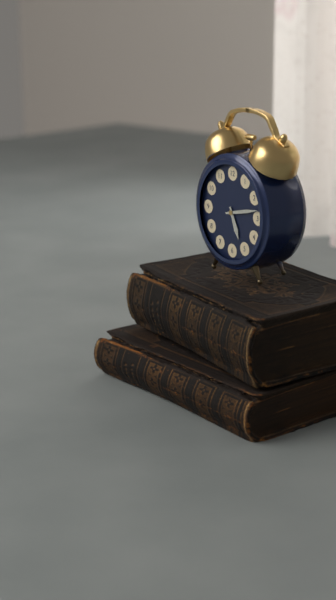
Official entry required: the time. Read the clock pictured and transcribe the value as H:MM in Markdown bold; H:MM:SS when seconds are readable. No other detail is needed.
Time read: **5:13**
